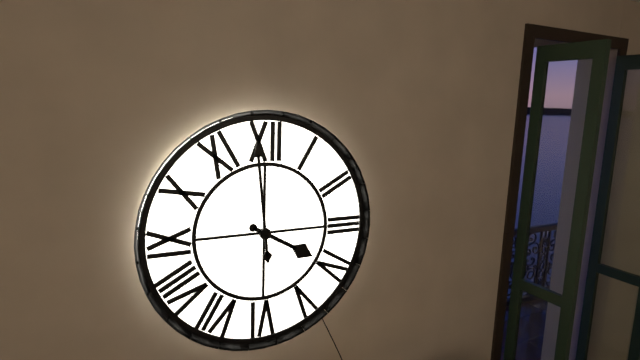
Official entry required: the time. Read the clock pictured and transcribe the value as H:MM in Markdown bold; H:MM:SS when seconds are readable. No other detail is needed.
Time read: **3:59**
